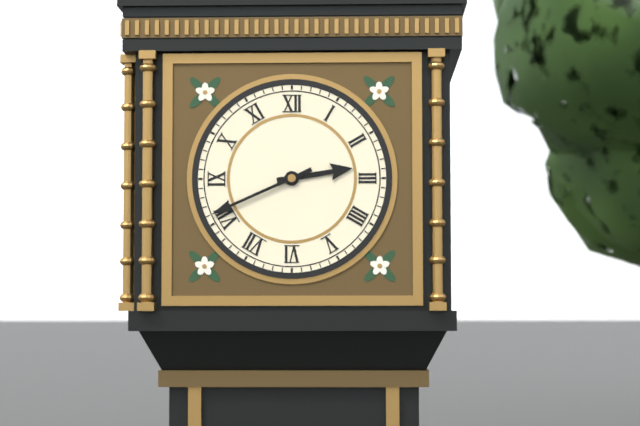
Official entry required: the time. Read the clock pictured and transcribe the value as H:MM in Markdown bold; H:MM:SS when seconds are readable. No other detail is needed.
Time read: **2:41**
